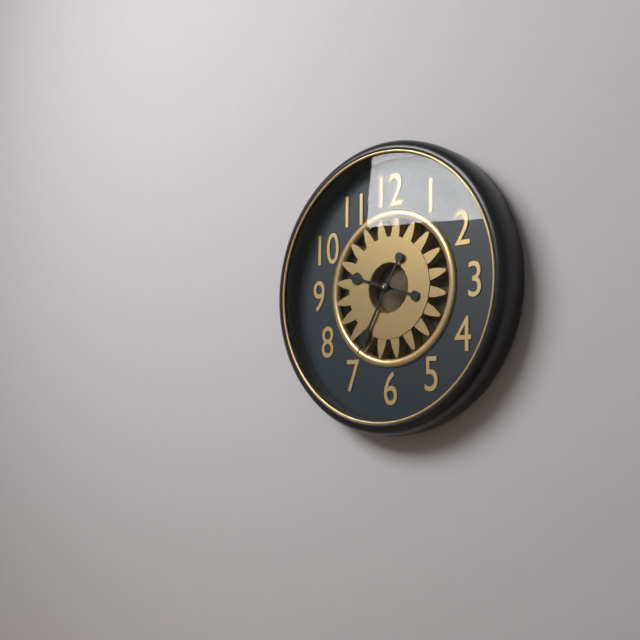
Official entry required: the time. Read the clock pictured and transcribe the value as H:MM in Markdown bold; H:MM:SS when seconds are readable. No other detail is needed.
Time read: **9:35**
